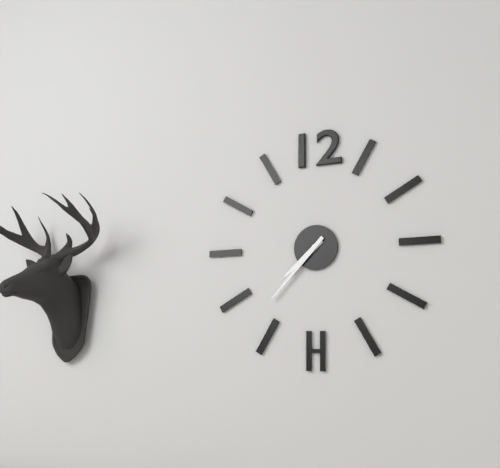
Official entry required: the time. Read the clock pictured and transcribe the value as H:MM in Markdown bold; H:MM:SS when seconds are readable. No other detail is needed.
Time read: **7:37**
